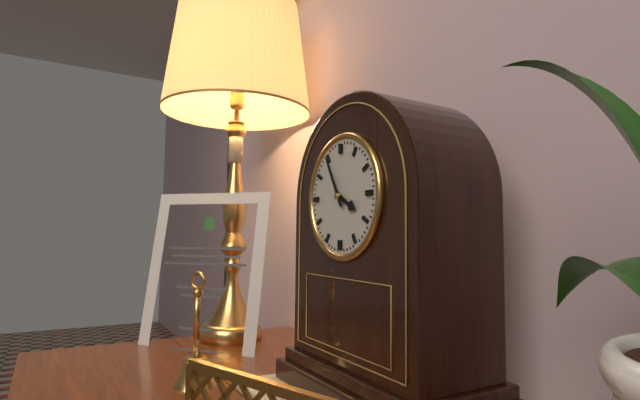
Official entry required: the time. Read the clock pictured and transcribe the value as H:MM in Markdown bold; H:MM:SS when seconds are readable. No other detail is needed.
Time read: **3:55**
